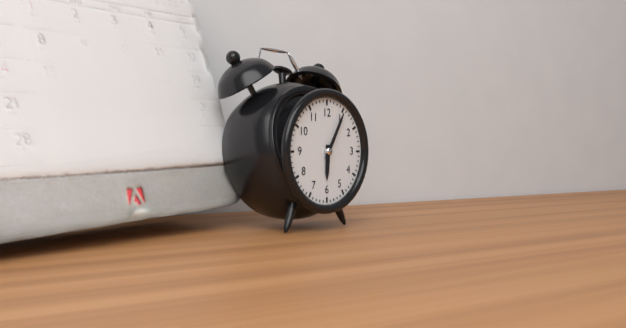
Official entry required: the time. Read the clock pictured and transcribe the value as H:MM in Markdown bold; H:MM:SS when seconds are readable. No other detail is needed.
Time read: **6:05**
